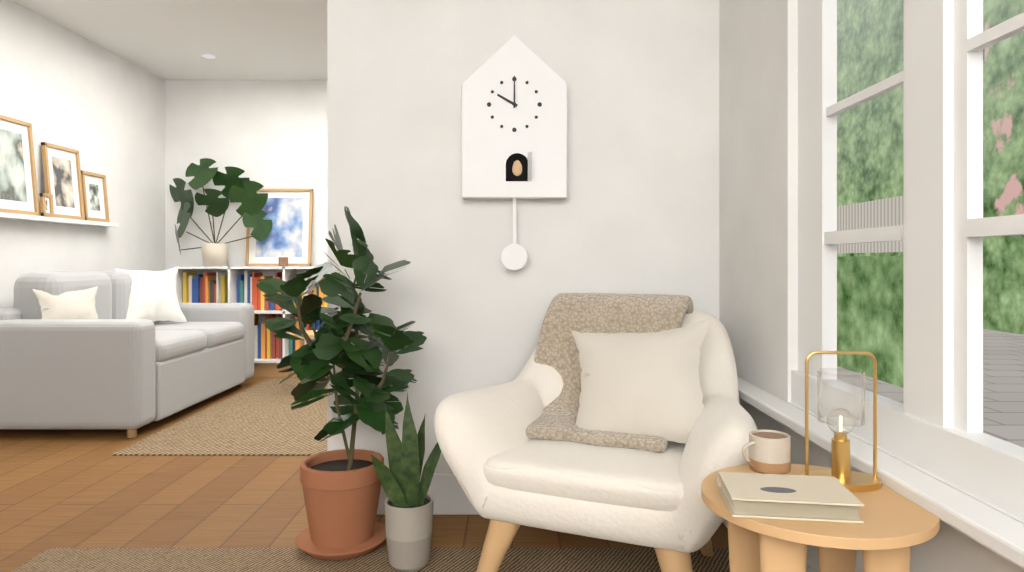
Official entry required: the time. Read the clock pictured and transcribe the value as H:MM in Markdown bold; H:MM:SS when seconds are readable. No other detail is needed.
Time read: **10:00**
